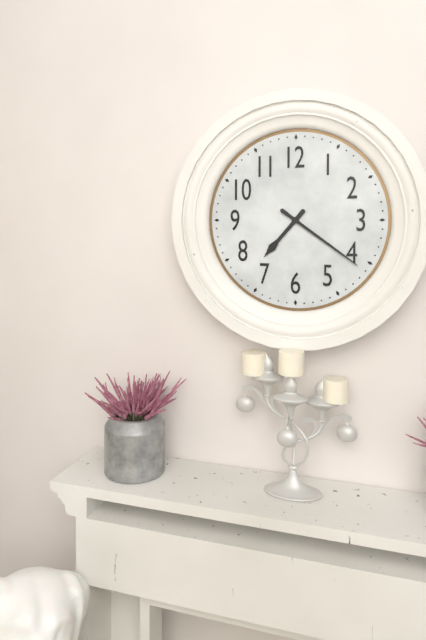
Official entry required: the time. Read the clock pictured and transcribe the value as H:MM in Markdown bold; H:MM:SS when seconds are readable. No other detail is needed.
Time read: **7:21**
